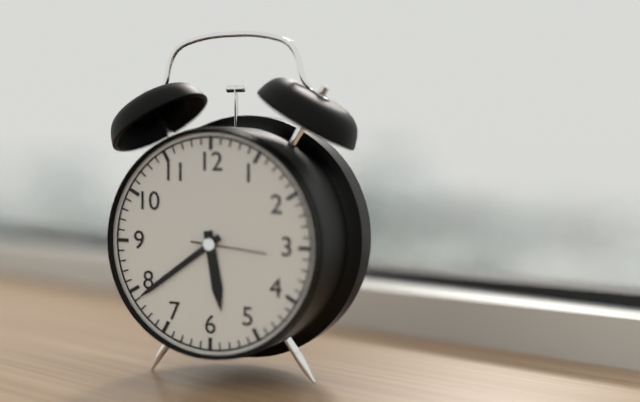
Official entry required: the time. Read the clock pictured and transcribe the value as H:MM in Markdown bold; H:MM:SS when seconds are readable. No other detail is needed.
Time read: **5:39**
